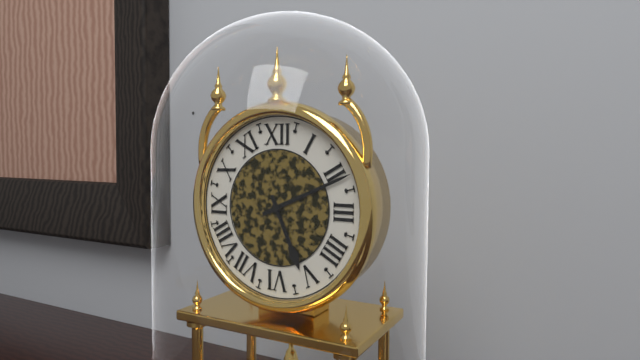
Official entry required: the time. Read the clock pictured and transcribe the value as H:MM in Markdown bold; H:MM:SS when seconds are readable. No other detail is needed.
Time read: **5:11**
